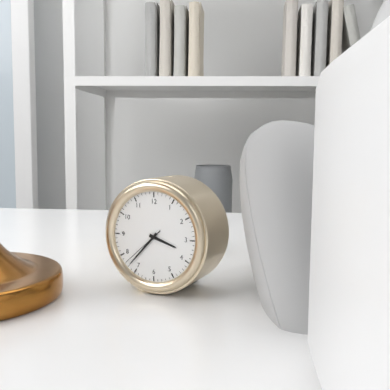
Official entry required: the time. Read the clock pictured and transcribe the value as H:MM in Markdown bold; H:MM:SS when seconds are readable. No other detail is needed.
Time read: **3:37:38**
